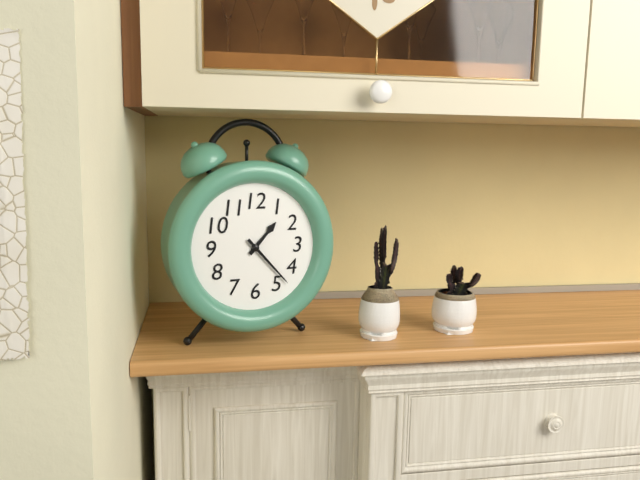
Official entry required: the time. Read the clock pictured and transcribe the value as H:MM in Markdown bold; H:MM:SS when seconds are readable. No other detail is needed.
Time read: **1:23**
